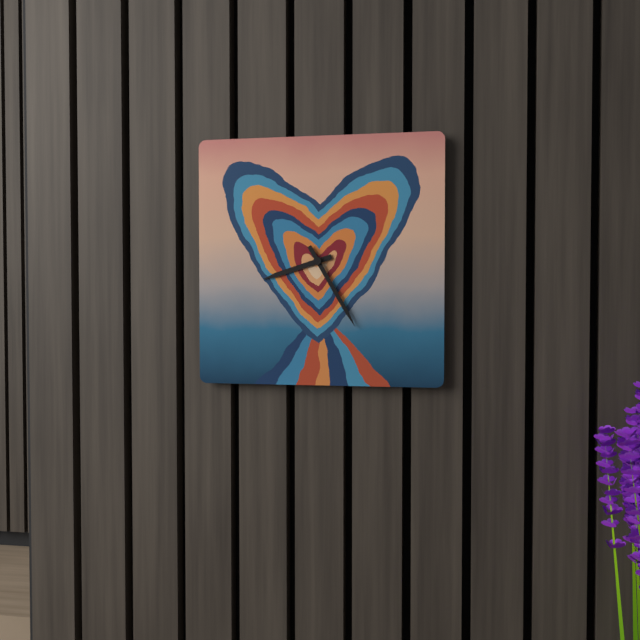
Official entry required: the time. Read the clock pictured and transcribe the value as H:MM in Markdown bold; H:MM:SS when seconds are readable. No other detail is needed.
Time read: **8:25**
